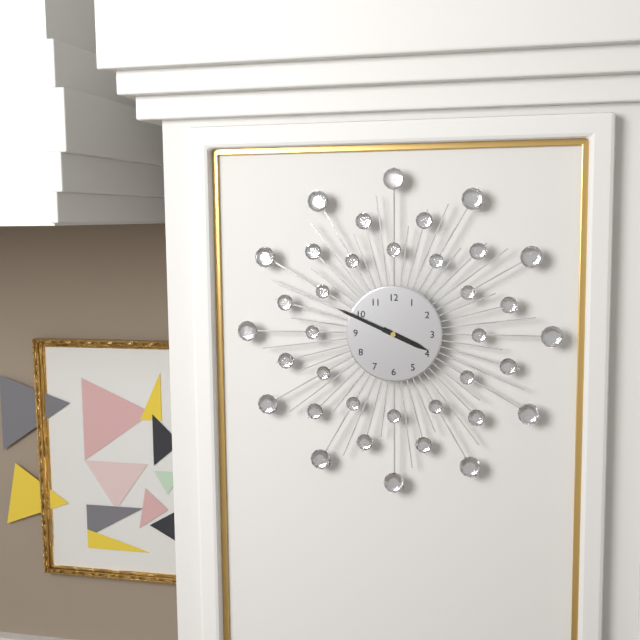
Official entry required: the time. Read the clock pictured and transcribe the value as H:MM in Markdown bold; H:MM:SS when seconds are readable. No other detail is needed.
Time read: **3:49**
